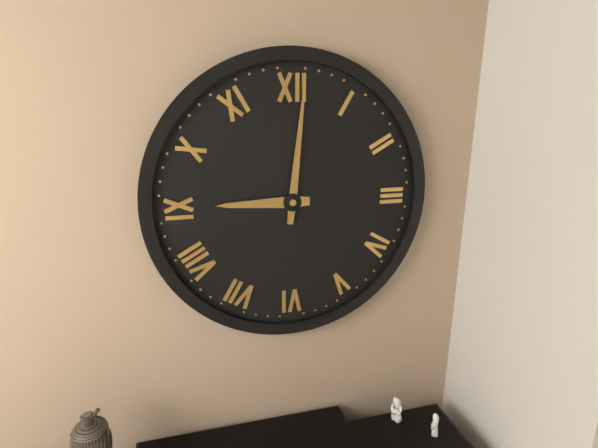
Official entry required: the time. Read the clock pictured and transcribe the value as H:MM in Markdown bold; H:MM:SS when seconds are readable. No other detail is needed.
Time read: **9:01**
